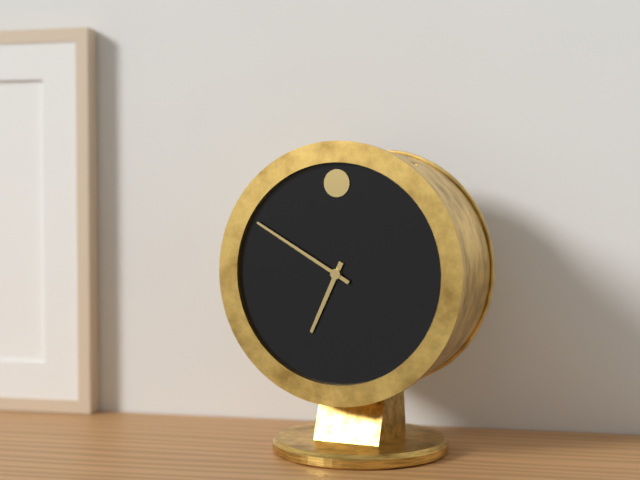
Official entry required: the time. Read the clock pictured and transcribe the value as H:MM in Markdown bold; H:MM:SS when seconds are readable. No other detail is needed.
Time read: **6:50**
